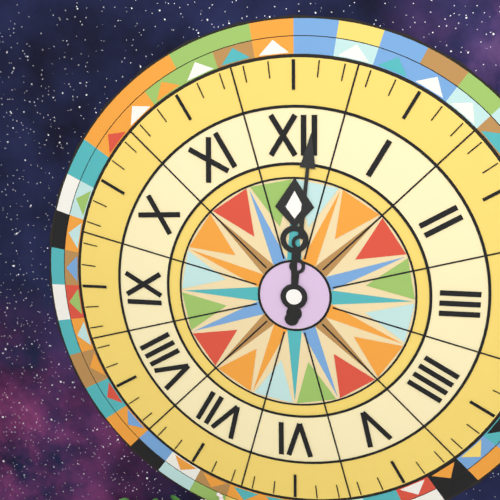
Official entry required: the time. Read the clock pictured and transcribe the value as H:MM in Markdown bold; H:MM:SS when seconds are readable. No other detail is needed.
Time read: **12:01**
